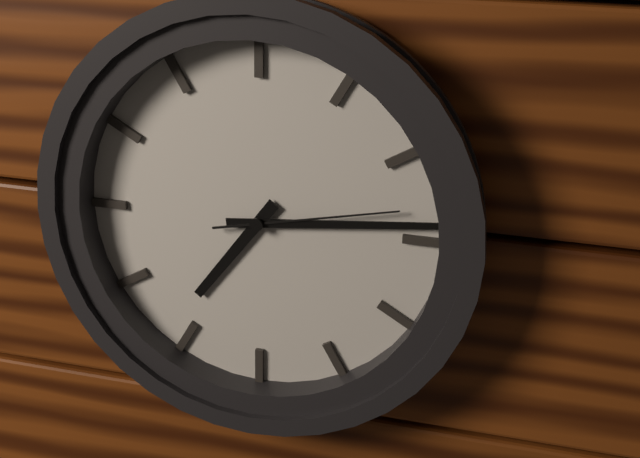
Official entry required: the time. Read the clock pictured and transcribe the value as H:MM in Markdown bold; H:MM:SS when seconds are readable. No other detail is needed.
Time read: **7:14:13**
